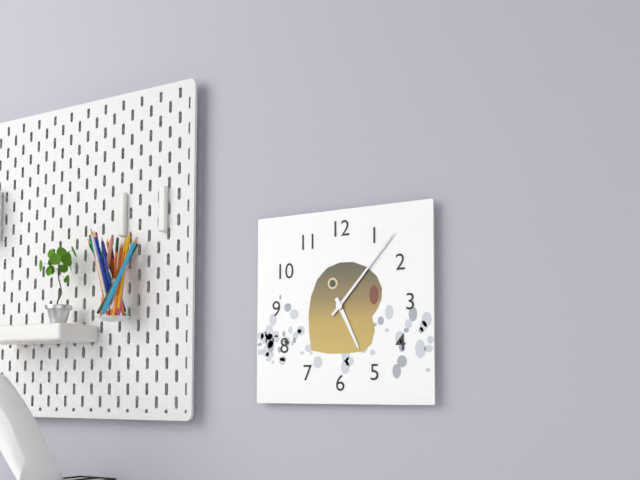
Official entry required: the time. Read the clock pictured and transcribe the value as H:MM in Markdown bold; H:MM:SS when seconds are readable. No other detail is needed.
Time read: **5:07**
